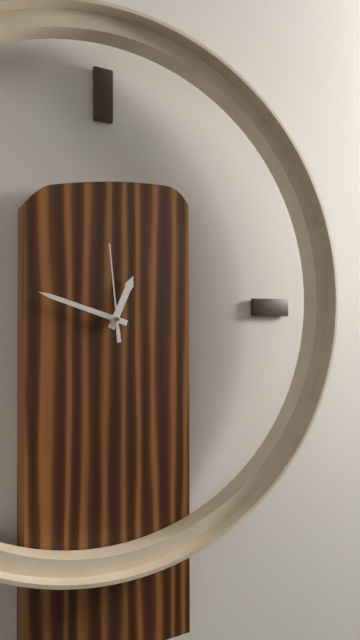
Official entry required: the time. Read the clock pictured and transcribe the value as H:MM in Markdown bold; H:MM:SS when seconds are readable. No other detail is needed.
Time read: **12:48:59**
